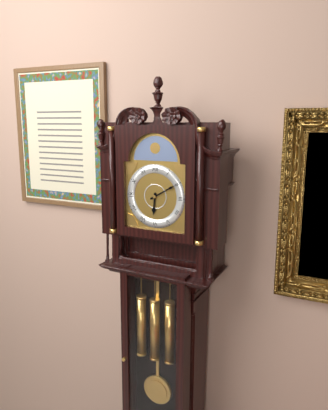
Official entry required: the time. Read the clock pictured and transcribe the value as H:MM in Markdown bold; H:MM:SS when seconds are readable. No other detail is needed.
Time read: **6:10**
